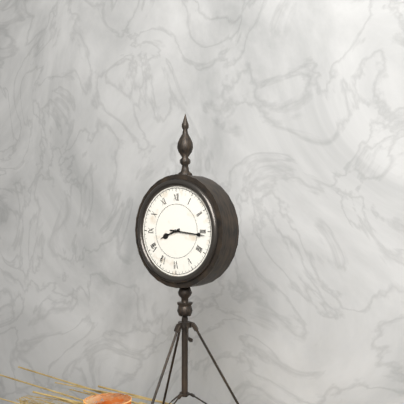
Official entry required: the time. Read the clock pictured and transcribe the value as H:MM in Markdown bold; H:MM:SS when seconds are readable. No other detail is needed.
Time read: **8:16**
